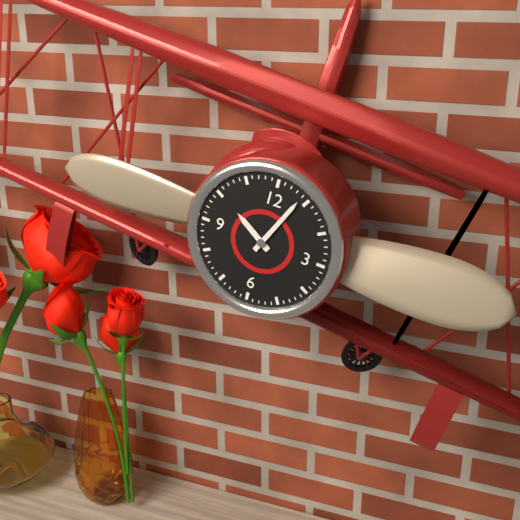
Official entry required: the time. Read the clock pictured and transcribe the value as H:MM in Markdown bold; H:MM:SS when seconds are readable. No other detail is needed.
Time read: **10:04**
